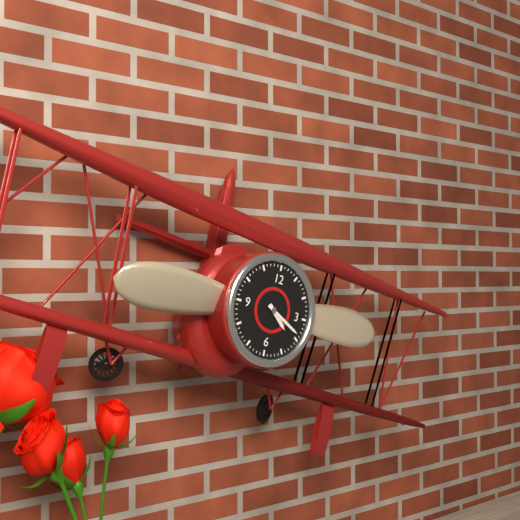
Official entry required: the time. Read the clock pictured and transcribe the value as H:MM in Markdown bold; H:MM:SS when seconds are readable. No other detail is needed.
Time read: **4:19**
